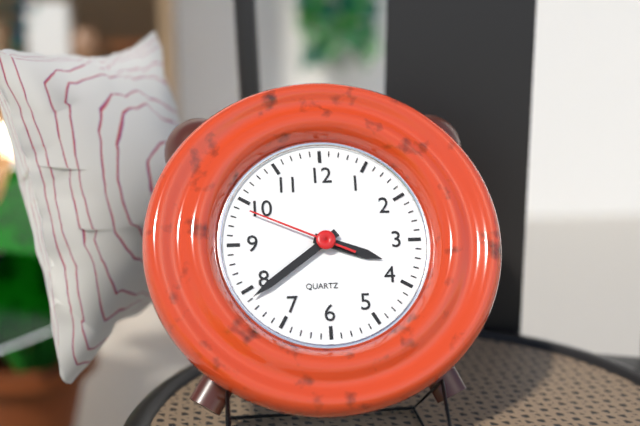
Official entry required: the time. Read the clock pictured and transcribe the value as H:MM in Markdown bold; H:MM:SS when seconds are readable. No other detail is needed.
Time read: **3:39:49**
